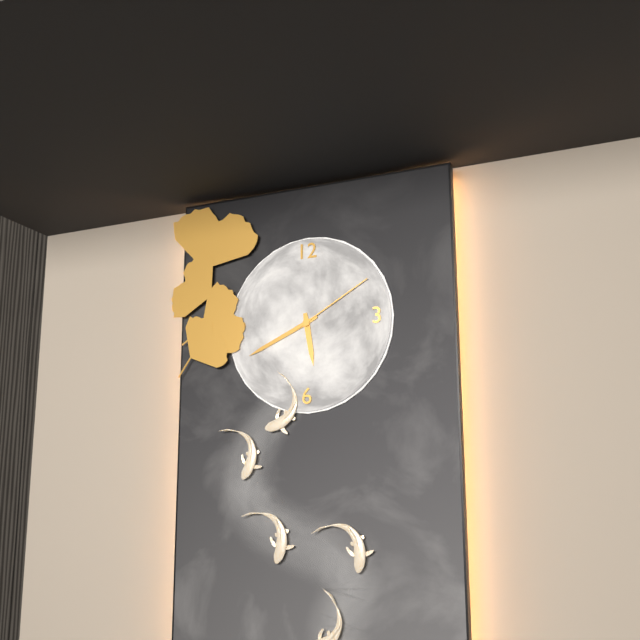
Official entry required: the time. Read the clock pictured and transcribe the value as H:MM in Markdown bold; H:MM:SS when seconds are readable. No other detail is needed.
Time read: **5:41:10**
